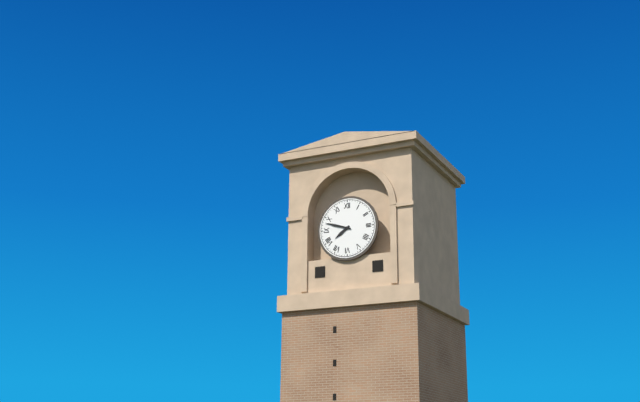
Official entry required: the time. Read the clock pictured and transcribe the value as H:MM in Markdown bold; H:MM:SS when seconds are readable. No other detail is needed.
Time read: **7:48**
